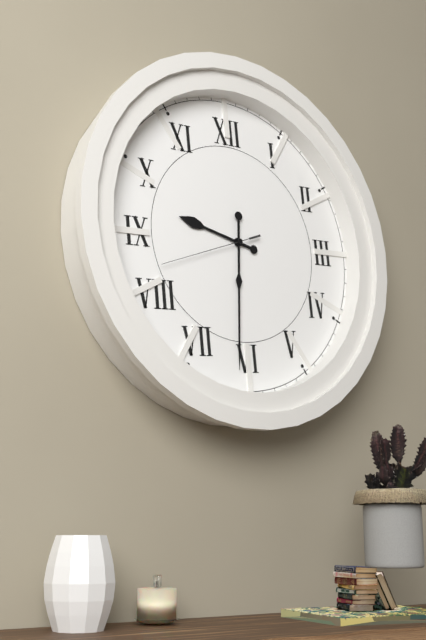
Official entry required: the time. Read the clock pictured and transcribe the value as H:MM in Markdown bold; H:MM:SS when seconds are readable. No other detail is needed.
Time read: **9:31:42**
